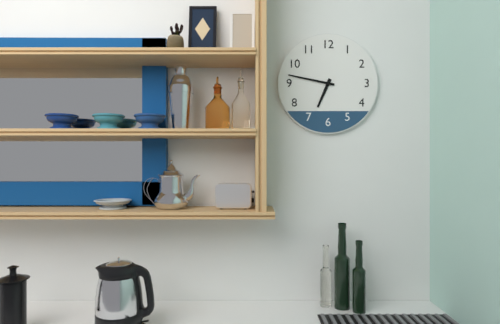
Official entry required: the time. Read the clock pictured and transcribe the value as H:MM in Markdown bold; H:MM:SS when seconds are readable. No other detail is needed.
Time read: **6:47**
